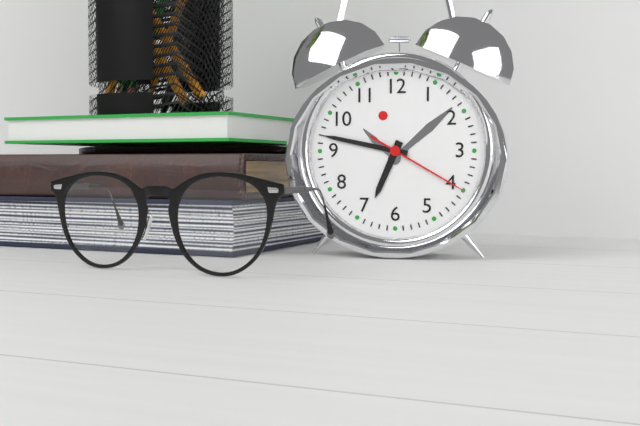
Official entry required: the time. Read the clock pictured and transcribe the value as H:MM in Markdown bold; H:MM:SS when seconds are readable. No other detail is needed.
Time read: **6:47:20**
